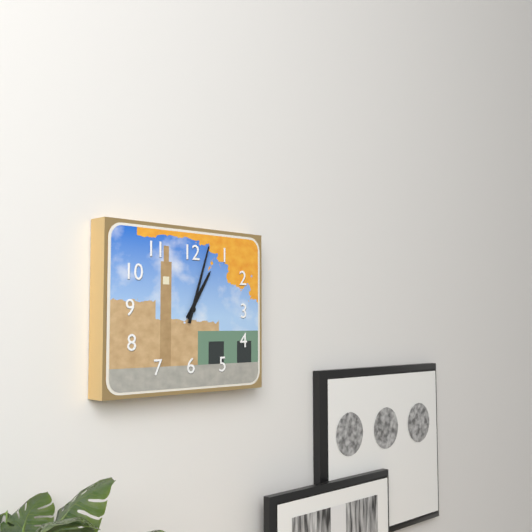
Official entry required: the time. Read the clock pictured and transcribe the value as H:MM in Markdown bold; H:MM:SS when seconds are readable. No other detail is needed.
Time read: **1:03**
